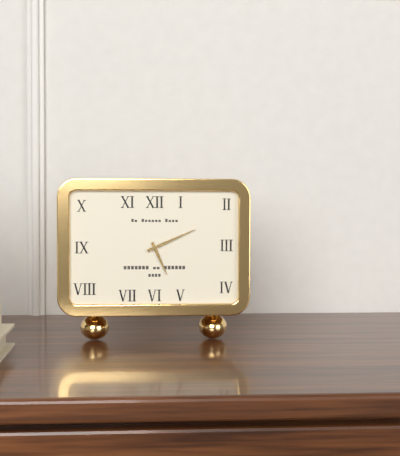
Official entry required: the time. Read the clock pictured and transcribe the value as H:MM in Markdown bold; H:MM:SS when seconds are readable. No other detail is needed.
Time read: **5:11**
